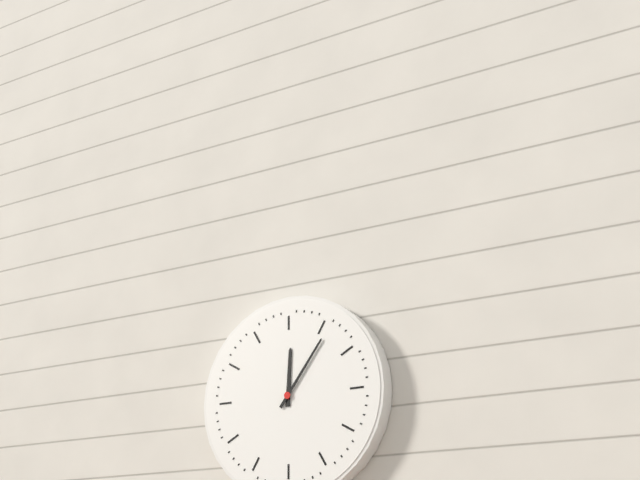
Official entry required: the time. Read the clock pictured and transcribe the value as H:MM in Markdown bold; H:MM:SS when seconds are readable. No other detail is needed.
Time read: **12:06**
